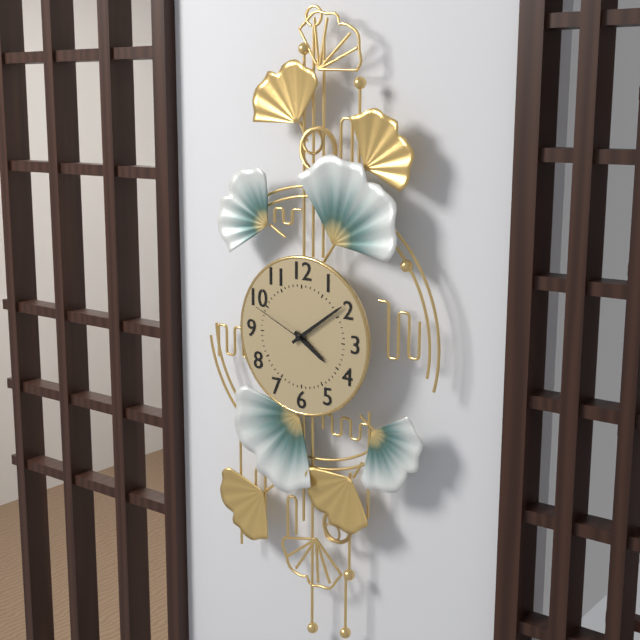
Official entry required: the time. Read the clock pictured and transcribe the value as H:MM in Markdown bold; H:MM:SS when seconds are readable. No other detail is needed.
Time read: **4:09:49**
